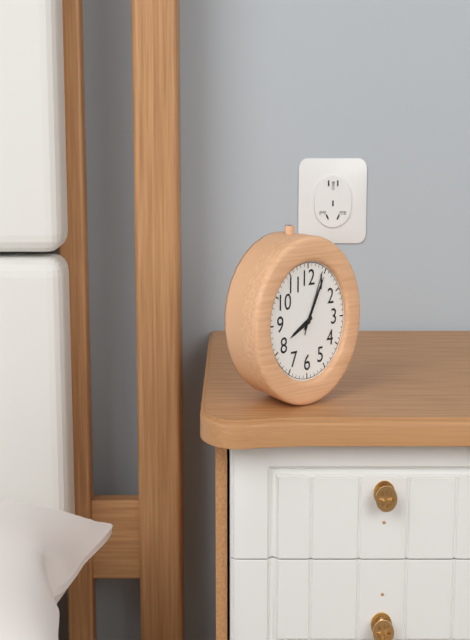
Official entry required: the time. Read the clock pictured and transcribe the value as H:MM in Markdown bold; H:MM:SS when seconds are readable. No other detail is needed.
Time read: **8:05:04**
